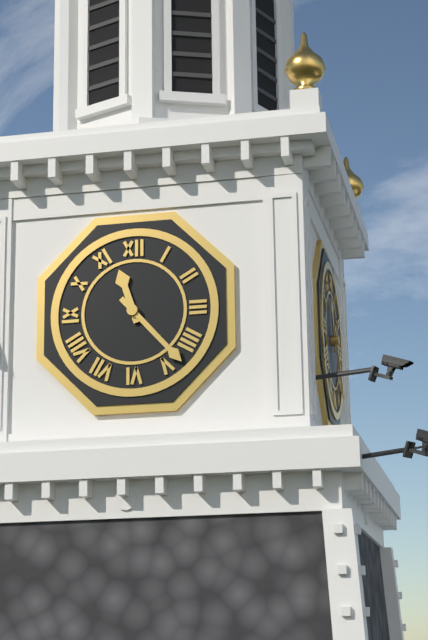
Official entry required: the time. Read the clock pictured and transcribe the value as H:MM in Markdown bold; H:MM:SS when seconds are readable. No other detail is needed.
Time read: **11:23**
